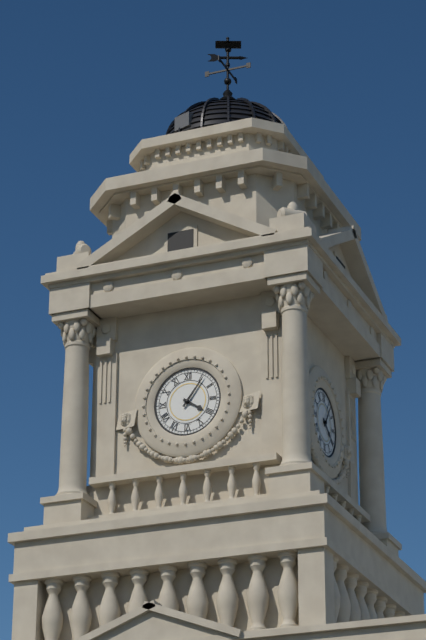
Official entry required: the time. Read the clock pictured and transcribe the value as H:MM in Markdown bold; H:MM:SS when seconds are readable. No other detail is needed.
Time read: **4:06**
